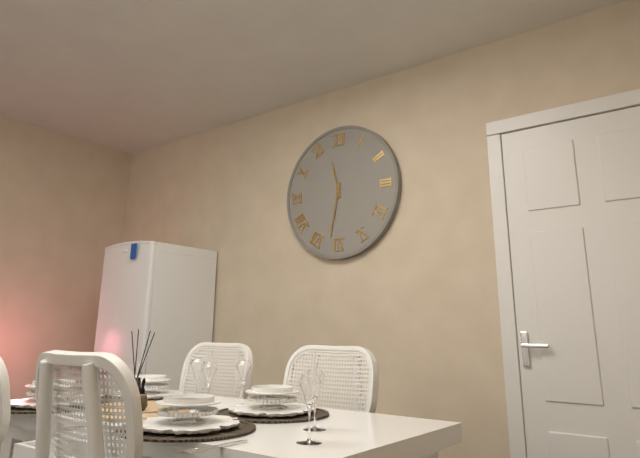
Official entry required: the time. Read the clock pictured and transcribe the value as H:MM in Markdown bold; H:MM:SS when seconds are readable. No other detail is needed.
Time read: **11:32**
